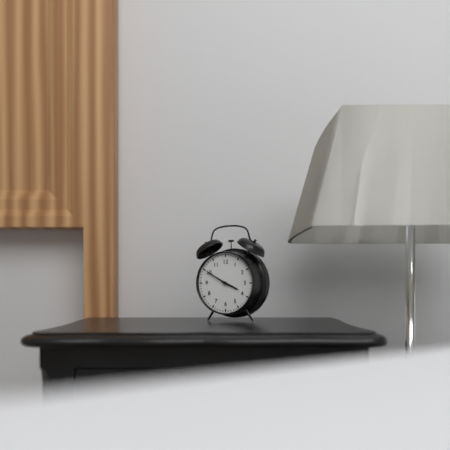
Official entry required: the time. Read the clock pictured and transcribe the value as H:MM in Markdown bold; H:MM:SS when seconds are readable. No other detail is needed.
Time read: **3:50**
